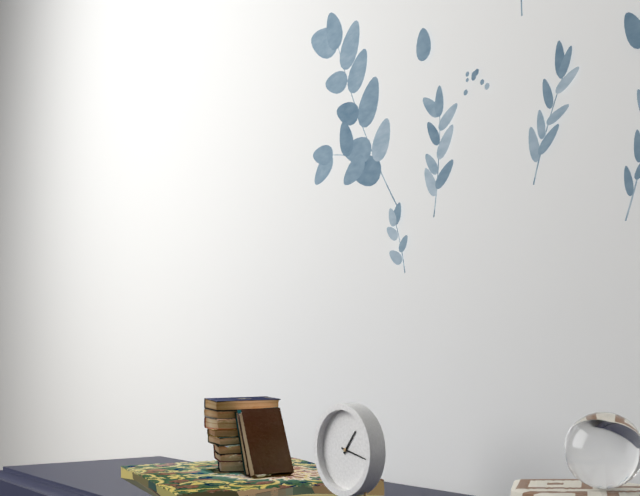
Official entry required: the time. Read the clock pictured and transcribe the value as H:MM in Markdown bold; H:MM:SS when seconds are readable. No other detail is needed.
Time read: **1:17**
